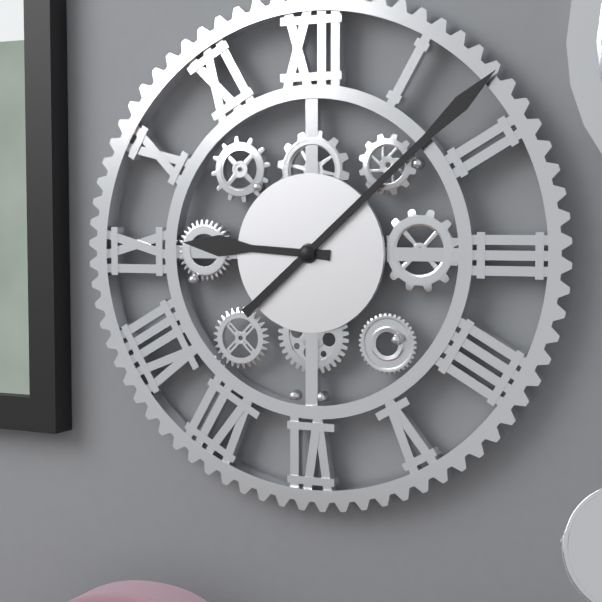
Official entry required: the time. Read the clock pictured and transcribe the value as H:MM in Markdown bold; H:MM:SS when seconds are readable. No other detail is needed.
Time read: **9:08**
